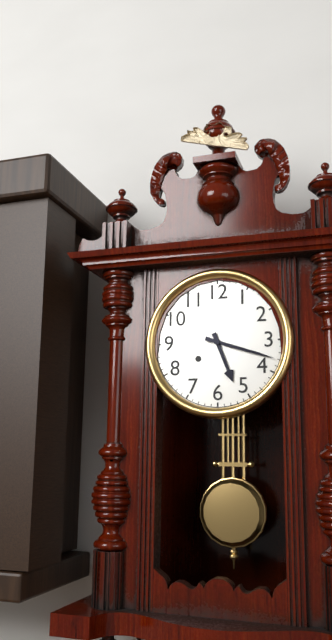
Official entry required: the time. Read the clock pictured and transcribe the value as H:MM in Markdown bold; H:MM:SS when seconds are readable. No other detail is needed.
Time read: **5:18**
